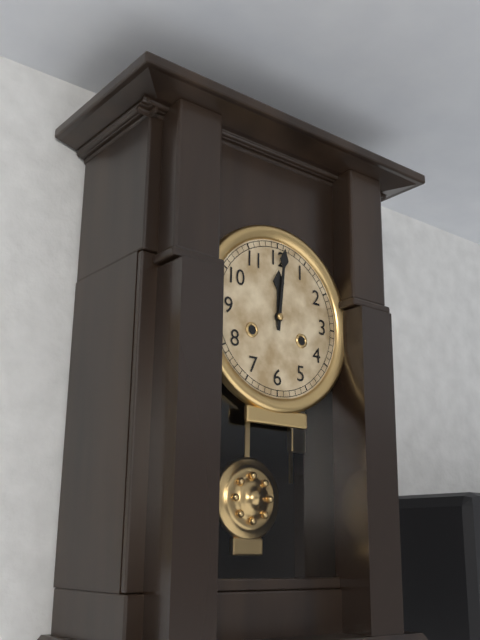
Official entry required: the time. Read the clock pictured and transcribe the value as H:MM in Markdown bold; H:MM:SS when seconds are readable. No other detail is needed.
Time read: **12:01**
